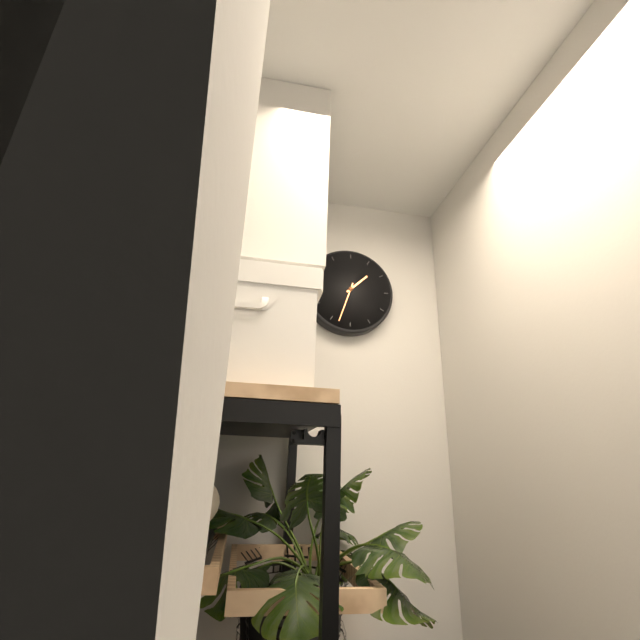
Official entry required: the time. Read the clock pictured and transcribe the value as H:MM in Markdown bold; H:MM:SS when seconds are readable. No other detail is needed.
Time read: **1:33**
